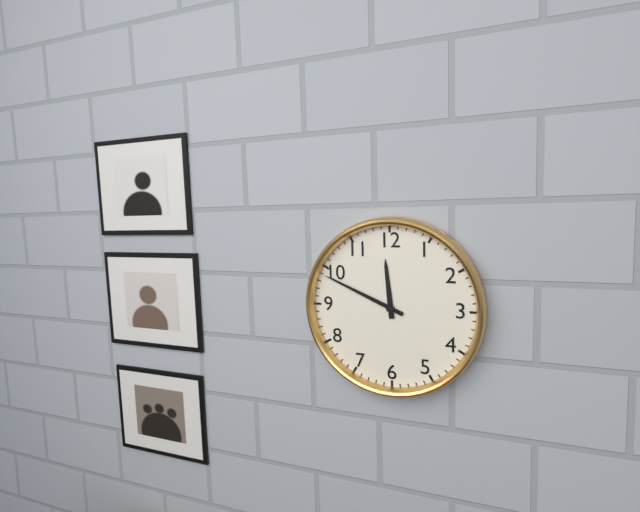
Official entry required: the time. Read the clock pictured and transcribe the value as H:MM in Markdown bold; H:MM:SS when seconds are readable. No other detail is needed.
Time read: **11:49**
